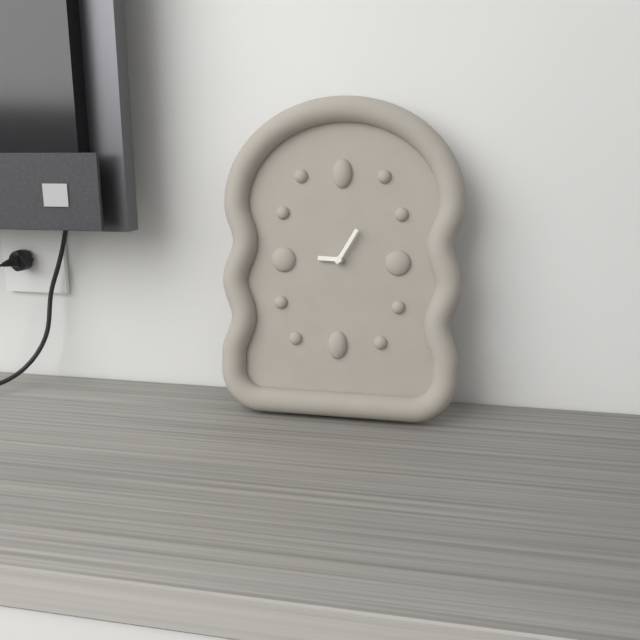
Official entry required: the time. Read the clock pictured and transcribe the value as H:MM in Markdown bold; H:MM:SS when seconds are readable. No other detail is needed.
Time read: **9:05**
